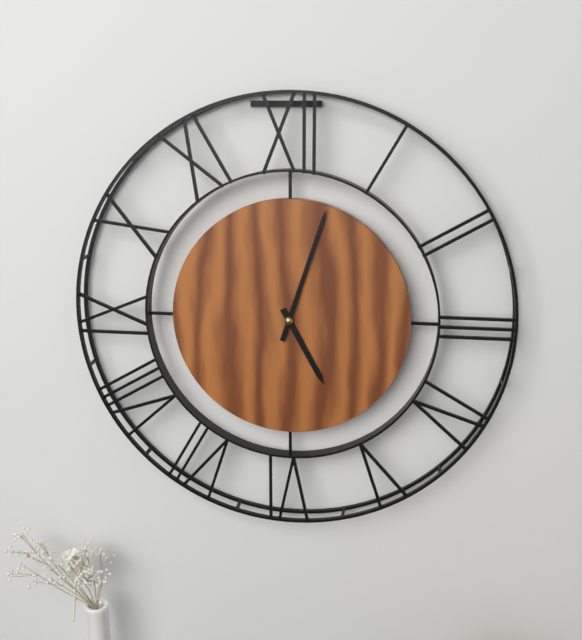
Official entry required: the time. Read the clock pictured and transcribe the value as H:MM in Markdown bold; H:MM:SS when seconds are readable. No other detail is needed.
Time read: **5:03**
